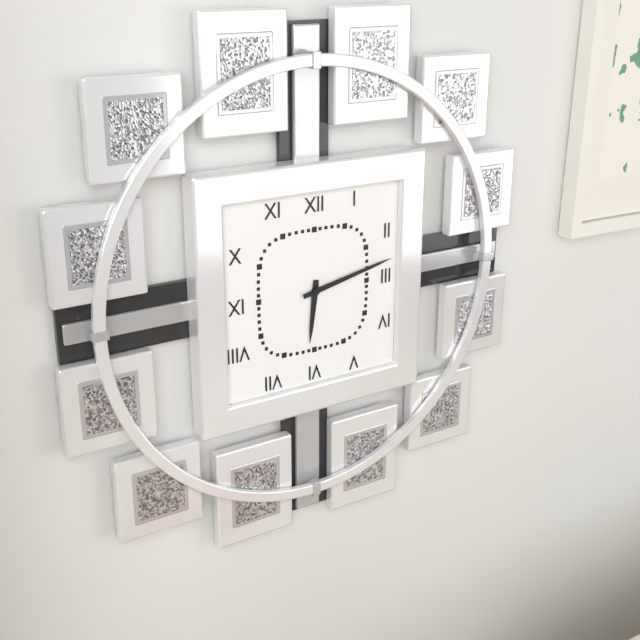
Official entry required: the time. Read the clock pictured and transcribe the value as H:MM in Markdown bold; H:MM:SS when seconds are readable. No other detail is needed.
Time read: **6:13**
